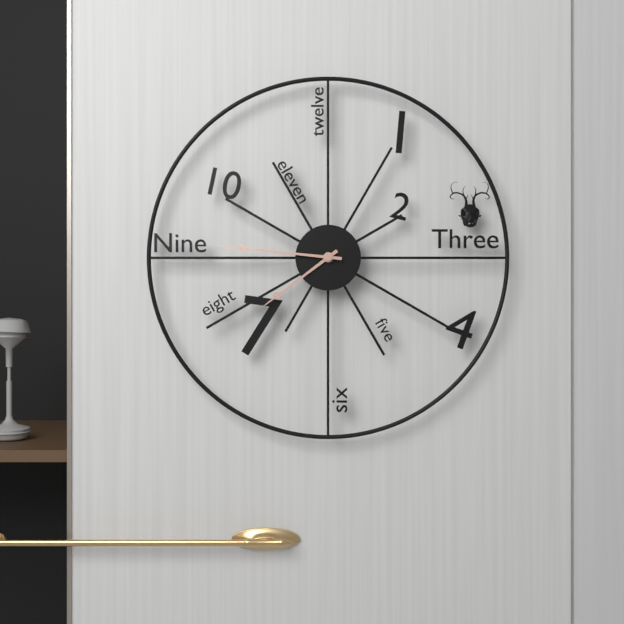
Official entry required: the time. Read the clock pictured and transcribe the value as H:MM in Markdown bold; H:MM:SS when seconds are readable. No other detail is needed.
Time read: **7:46**
